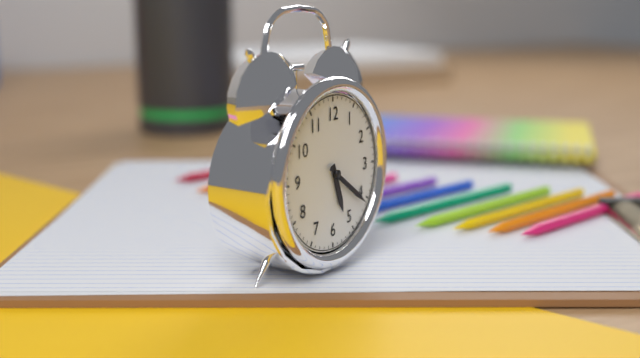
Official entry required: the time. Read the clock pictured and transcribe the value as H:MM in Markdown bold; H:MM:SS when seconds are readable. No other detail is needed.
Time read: **5:21**
